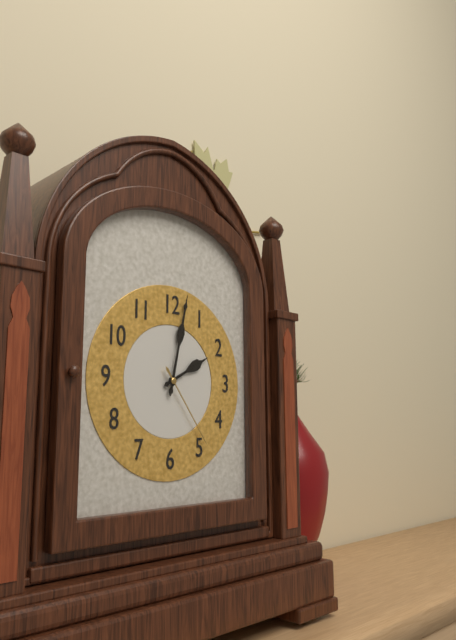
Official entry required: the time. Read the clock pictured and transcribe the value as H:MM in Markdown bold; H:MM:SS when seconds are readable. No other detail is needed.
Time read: **2:02:24**
